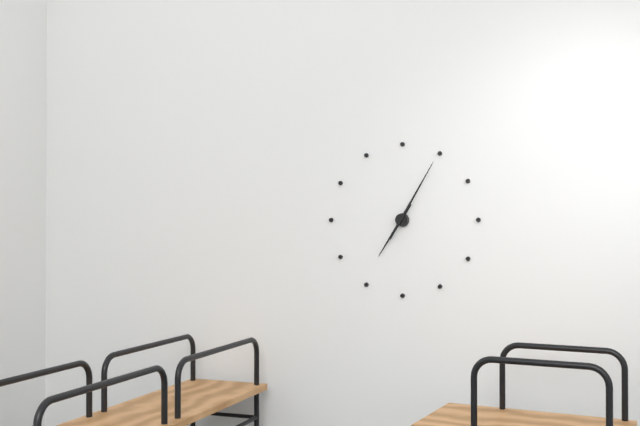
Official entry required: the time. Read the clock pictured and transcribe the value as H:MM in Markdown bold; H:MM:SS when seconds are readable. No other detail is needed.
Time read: **7:05**
